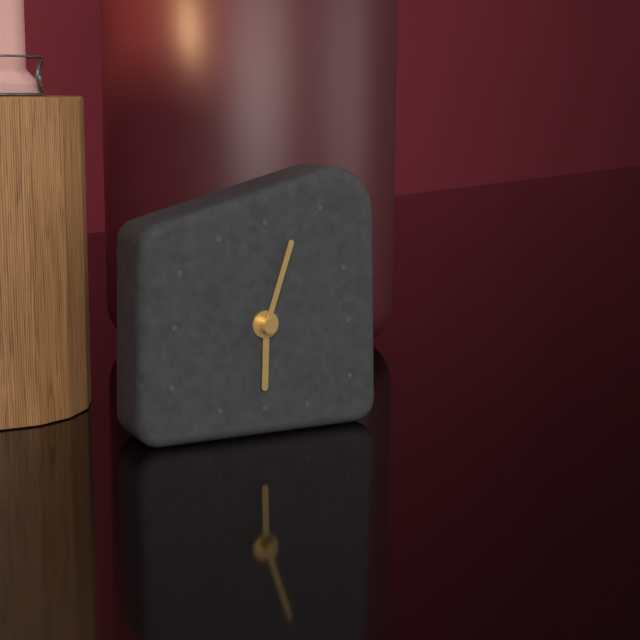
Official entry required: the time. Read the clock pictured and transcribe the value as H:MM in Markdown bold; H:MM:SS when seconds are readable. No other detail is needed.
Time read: **6:03**
